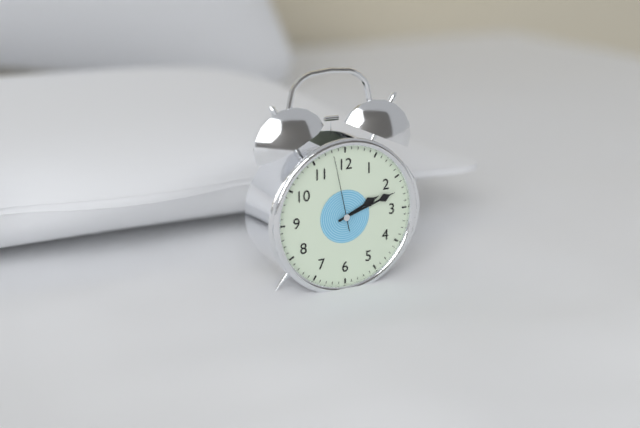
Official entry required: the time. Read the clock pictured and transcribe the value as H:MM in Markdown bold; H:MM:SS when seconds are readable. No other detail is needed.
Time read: **2:12:58**
